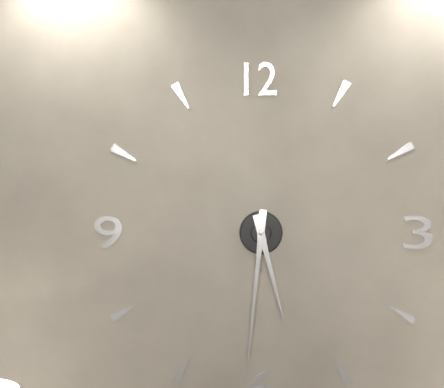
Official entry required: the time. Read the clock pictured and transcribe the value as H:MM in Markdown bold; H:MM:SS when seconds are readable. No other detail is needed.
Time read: **5:31**
